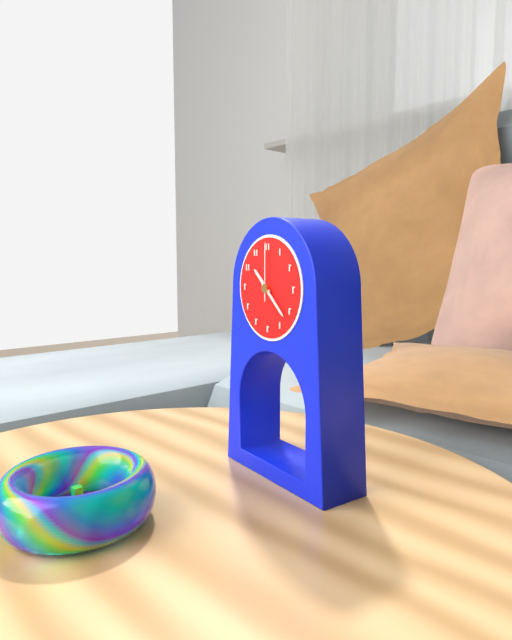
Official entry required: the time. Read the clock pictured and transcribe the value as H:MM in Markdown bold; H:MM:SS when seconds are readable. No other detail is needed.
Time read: **10:22:00**
